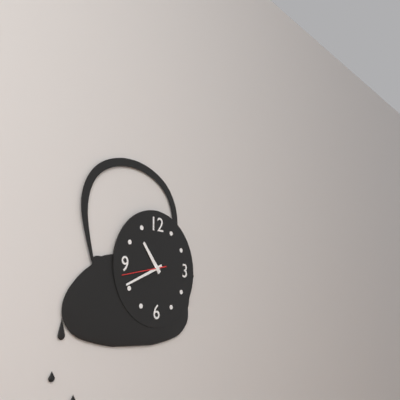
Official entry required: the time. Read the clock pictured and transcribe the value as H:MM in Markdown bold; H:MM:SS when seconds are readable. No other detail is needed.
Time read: **10:41**
